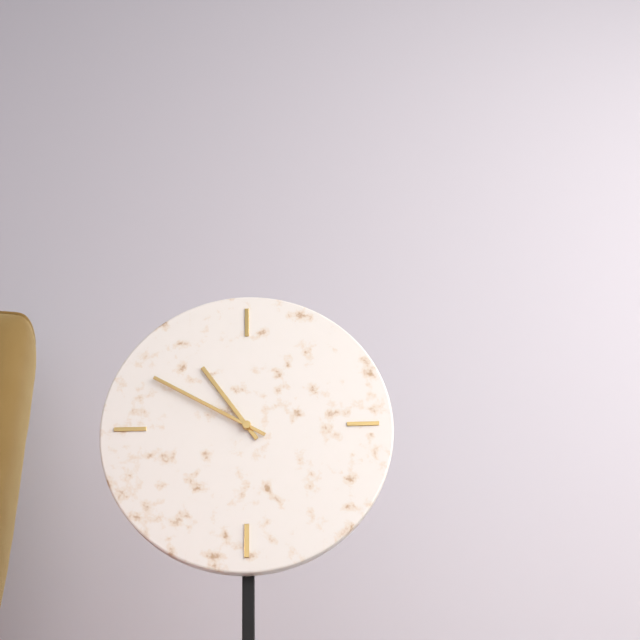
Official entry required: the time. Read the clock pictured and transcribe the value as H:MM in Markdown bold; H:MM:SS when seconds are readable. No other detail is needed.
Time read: **10:50**
